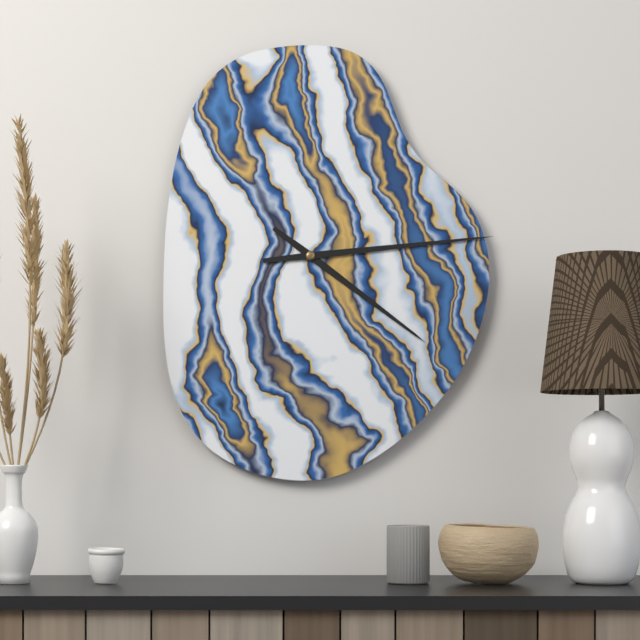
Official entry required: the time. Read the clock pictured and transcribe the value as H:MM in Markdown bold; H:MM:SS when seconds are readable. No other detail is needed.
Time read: **4:14**
